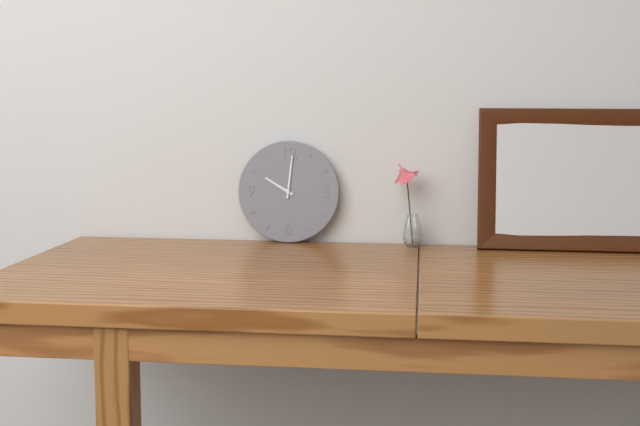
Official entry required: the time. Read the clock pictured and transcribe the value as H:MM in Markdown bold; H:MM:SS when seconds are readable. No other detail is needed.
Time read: **10:01**
